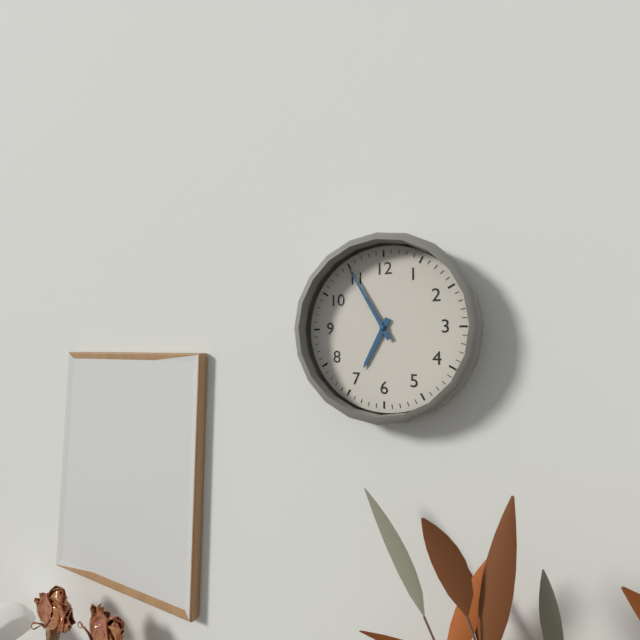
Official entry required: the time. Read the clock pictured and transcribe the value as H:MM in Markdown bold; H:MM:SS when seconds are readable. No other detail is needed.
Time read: **6:55**
